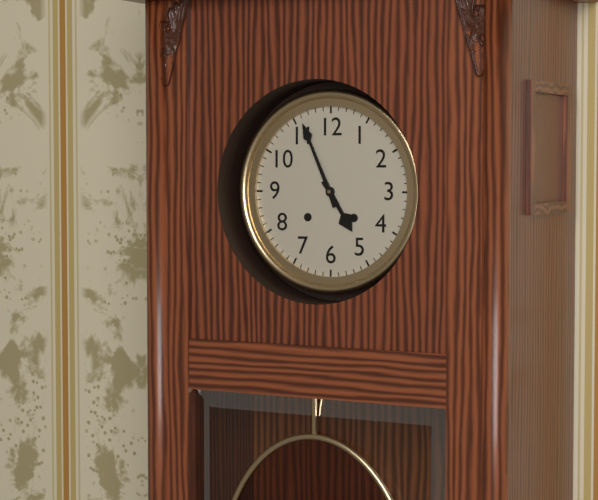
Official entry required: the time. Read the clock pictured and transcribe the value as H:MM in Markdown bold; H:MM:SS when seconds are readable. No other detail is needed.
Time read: **4:56**
